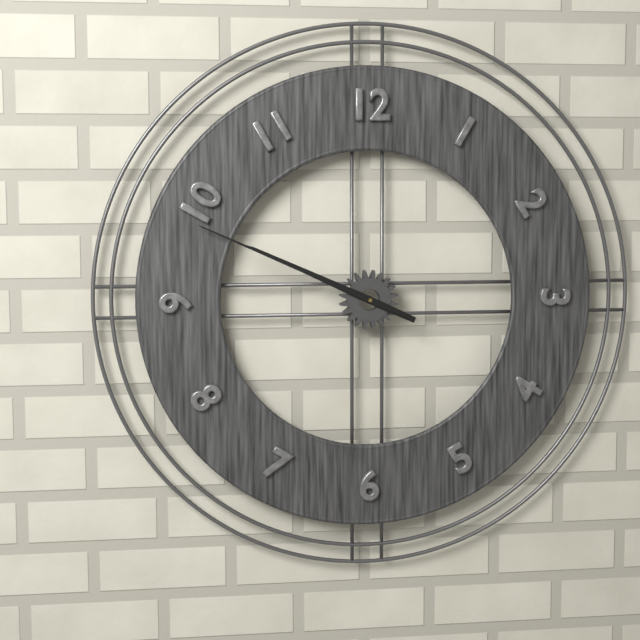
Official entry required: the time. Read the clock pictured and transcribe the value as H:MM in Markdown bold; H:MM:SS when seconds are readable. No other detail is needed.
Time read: **9:49**
